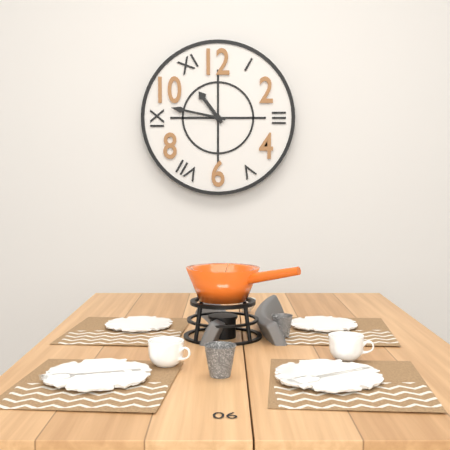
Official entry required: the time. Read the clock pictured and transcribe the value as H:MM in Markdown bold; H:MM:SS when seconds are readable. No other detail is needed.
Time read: **10:47**
